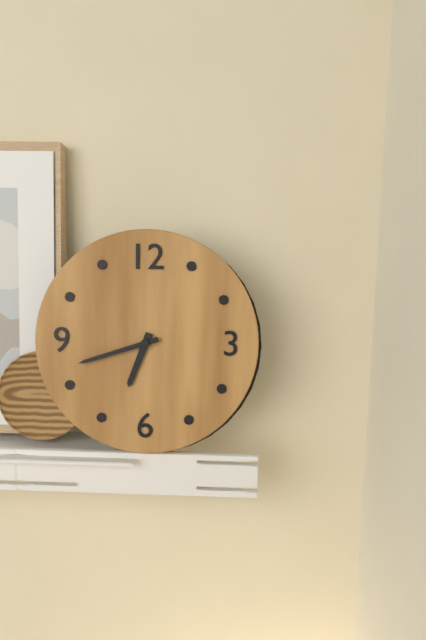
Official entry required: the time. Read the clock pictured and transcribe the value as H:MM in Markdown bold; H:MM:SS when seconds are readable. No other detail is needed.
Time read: **6:42**
